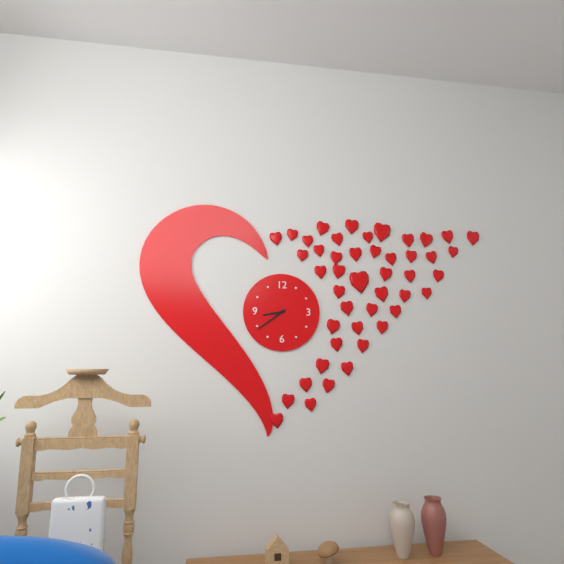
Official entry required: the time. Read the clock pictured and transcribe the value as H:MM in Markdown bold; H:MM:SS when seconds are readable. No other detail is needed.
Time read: **8:39**
